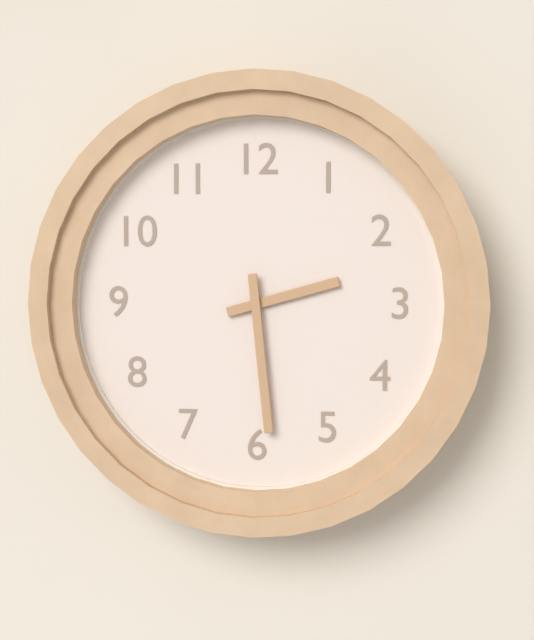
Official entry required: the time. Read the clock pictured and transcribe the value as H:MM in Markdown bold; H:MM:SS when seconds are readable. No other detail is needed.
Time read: **2:29**
